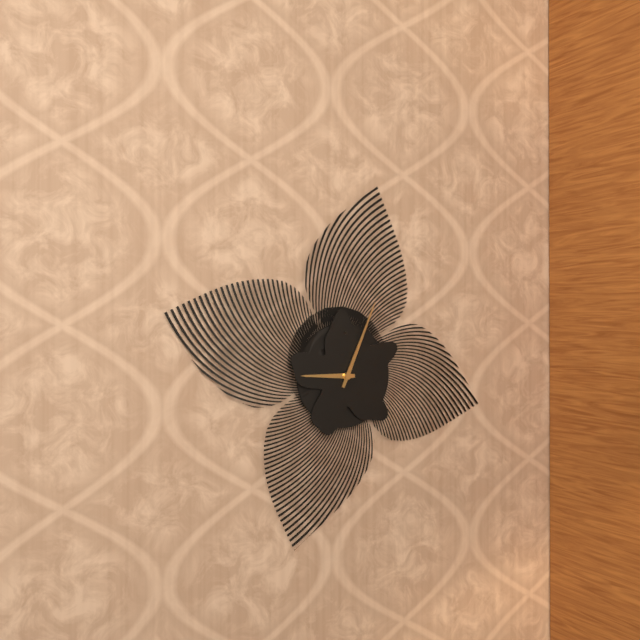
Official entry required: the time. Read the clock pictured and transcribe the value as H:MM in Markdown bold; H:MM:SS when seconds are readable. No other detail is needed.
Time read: **9:04**
